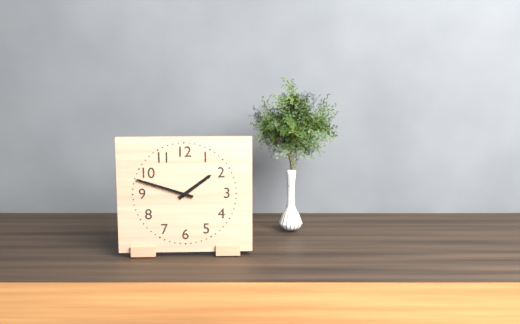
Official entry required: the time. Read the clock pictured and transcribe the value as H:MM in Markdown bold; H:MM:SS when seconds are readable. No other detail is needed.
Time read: **1:48**
